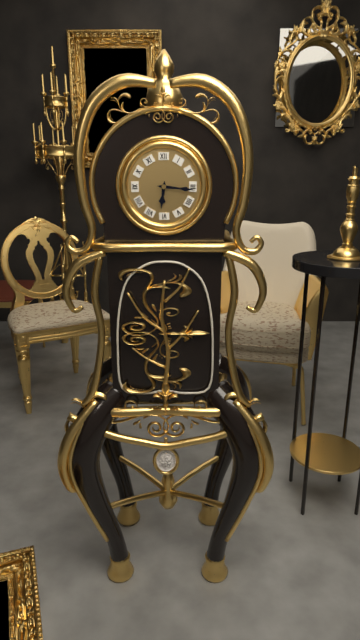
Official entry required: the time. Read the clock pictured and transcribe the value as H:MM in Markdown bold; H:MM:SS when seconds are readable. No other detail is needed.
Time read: **6:16**
